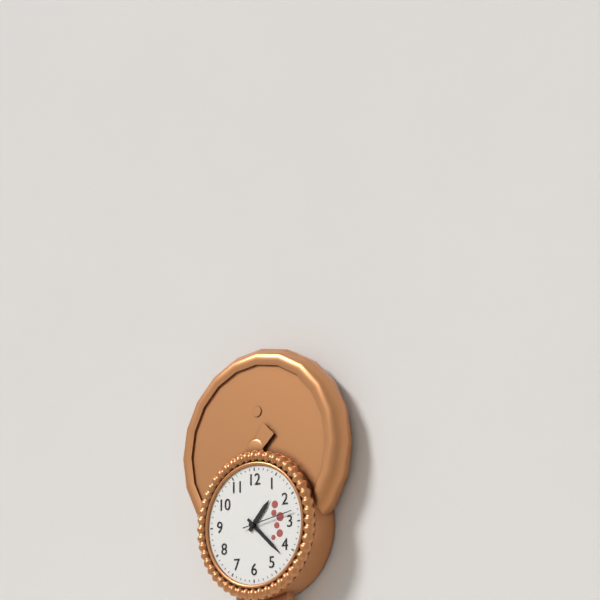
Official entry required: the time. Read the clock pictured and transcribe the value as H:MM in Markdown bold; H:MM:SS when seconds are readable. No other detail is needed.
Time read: **1:22:13**
